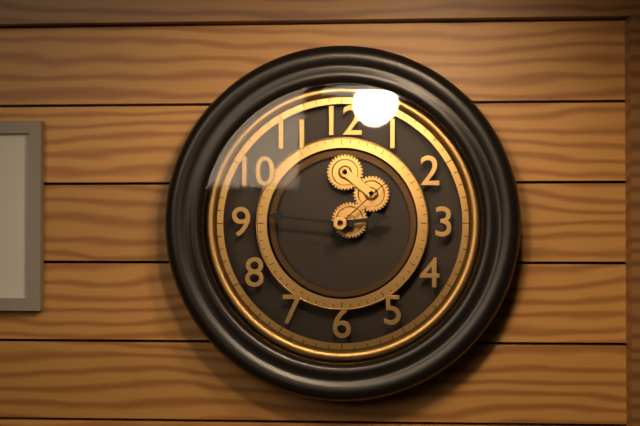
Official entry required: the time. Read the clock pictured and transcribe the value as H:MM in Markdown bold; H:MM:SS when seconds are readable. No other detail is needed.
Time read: **2:46:08**
